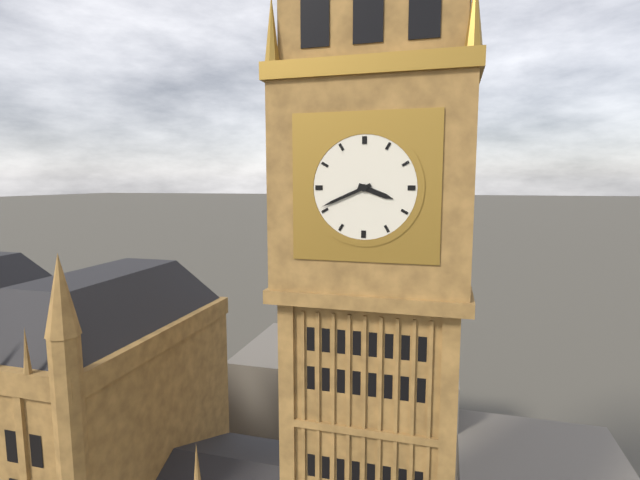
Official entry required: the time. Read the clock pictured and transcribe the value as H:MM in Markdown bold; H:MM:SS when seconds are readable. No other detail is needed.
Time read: **3:41**
